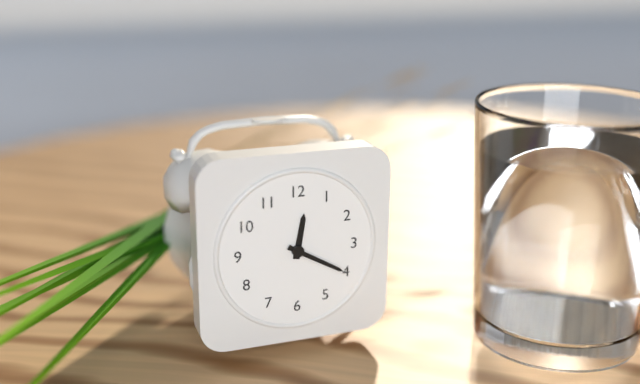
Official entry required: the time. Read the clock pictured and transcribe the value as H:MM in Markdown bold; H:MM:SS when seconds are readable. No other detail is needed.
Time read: **12:20**
